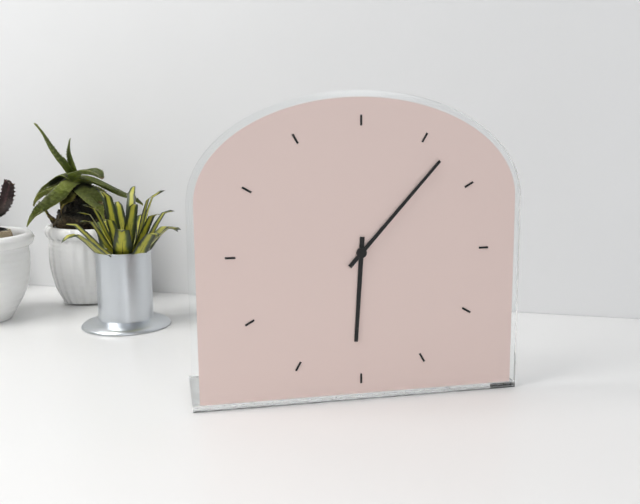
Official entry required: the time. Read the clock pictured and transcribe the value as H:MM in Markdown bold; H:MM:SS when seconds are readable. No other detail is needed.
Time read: **6:07**
